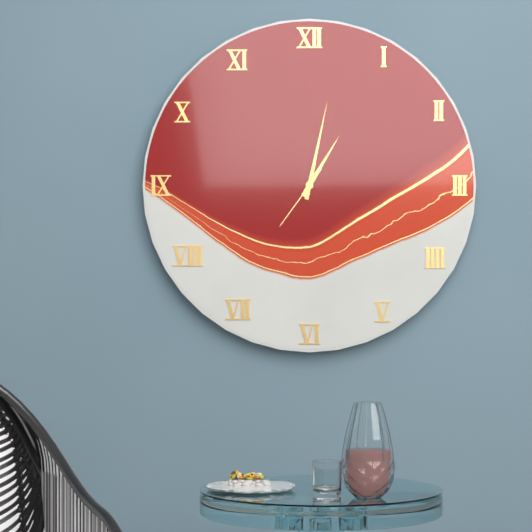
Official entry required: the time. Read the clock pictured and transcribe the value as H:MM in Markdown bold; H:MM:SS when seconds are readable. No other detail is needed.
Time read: **1:02:36**
